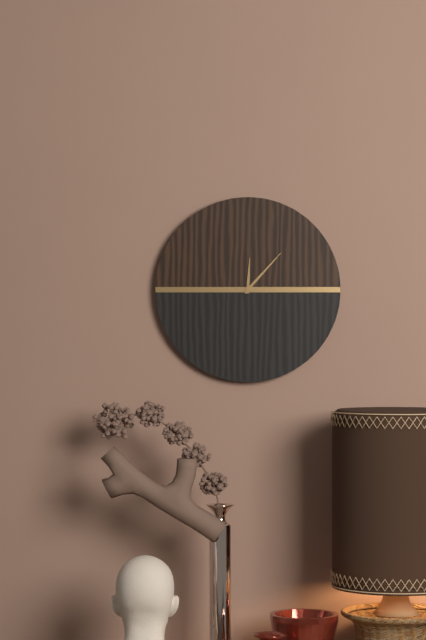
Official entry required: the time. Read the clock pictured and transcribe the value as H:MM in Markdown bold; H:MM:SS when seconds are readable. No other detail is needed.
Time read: **12:07**
